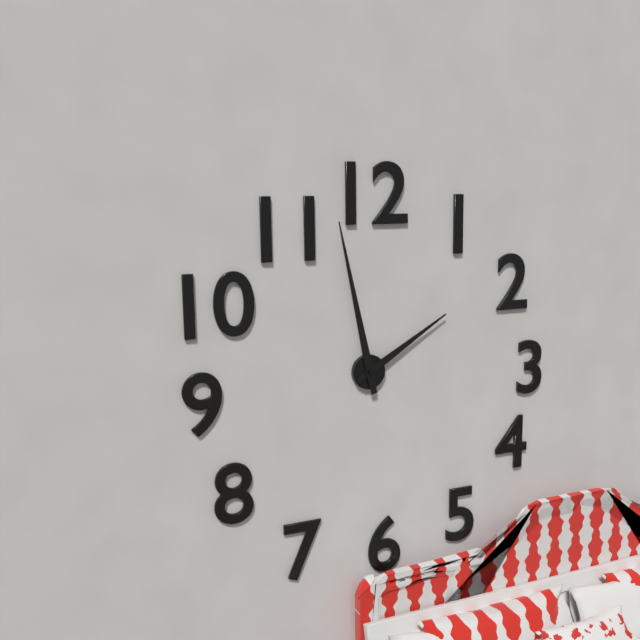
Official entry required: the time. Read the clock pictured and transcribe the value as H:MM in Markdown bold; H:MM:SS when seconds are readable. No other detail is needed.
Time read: **1:58**
